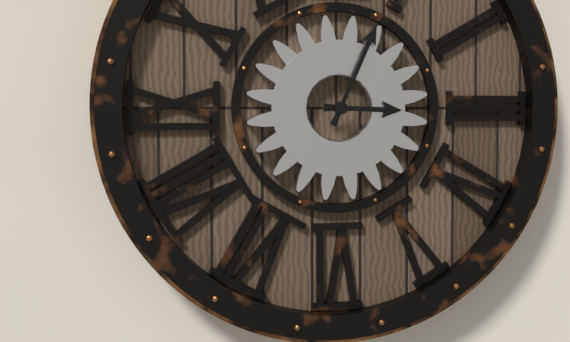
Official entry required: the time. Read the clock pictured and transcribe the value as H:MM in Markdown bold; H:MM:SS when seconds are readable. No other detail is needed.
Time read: **3:04**
